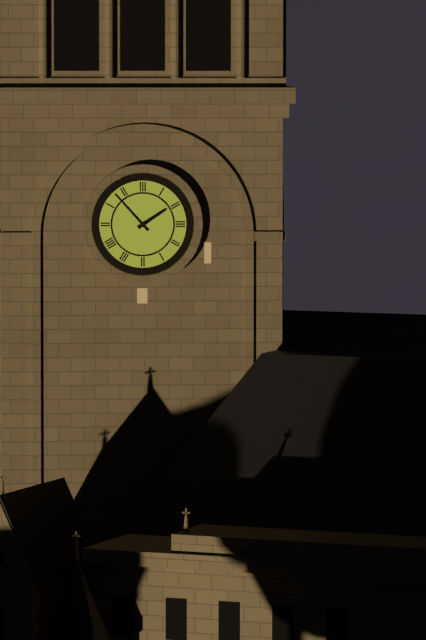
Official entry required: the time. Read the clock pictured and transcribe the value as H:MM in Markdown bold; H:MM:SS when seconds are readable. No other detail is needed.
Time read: **1:53**
